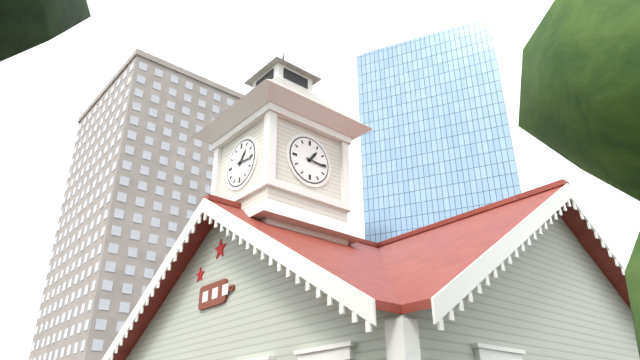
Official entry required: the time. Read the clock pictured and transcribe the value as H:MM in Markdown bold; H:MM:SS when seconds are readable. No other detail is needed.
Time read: **1:16**
